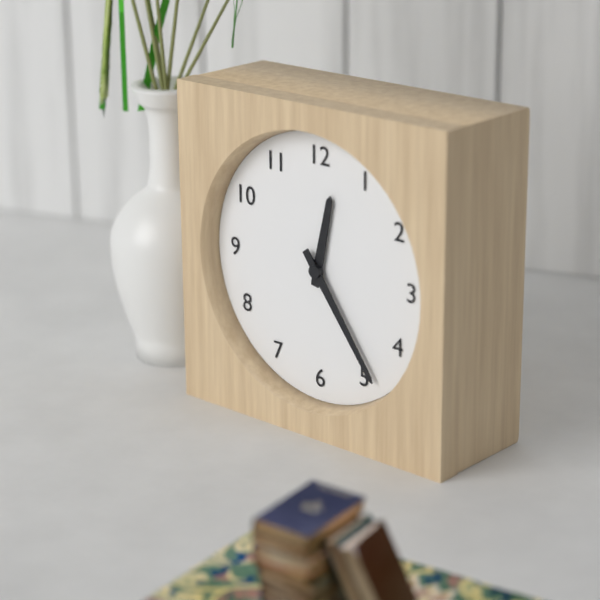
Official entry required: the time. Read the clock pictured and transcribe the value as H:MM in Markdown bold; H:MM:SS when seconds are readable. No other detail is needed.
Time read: **12:24**
